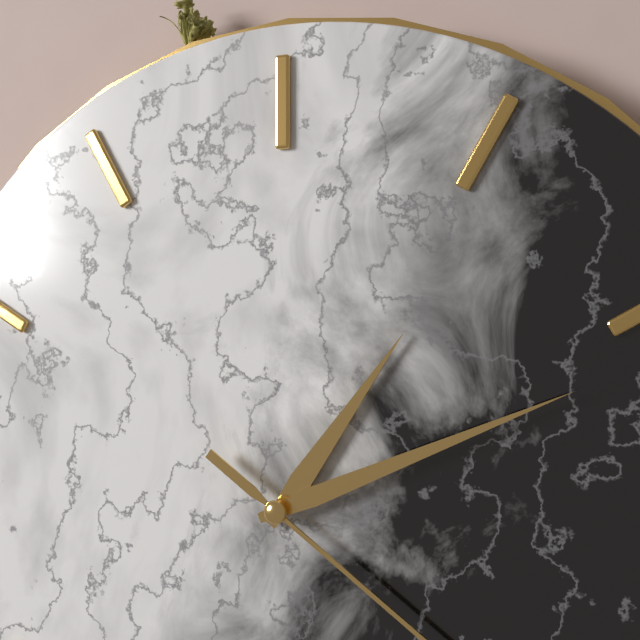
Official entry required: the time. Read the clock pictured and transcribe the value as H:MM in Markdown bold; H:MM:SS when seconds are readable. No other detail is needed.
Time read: **1:11**
